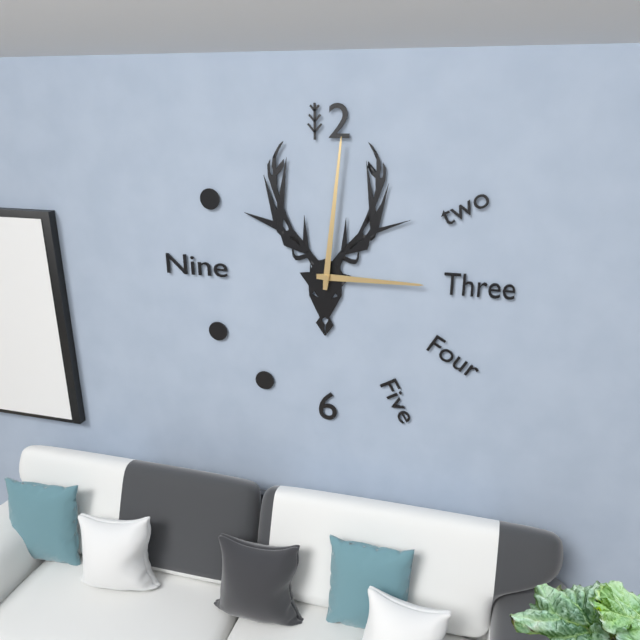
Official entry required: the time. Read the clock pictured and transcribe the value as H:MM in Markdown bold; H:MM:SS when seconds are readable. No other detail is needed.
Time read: **3:01**
